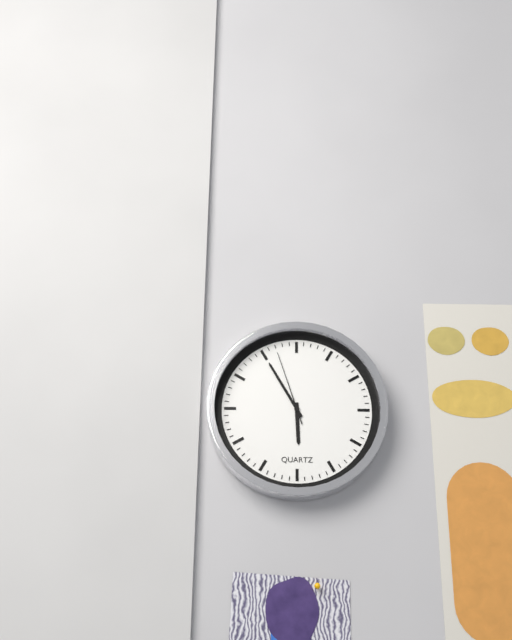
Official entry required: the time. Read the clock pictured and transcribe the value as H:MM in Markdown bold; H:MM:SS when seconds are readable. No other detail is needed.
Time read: **5:55:57**
